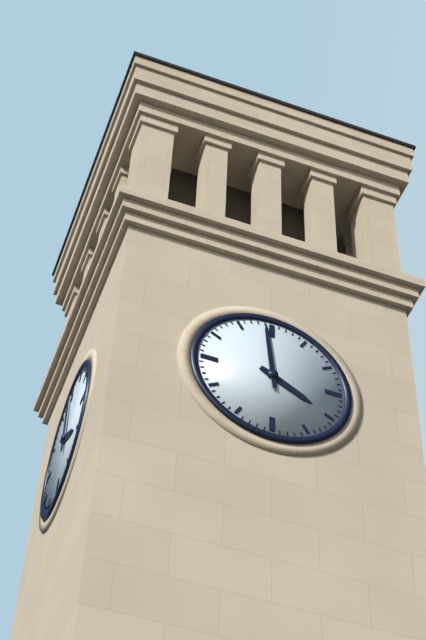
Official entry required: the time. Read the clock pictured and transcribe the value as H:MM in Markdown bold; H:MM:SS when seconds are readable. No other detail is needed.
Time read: **3:59**
